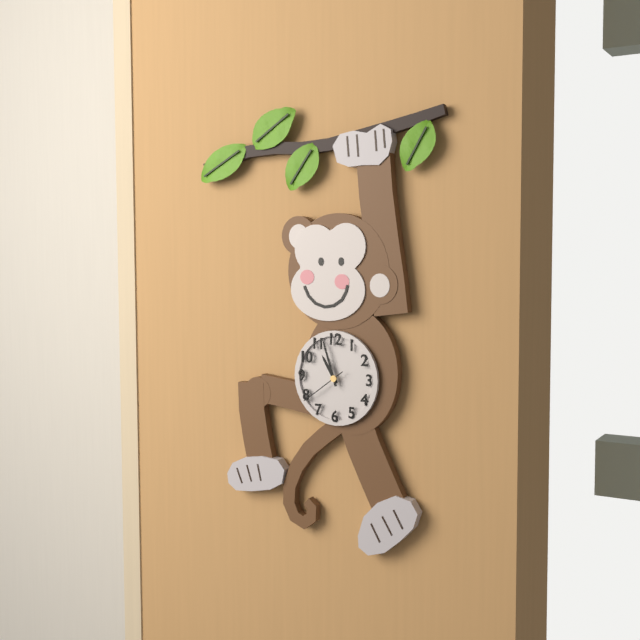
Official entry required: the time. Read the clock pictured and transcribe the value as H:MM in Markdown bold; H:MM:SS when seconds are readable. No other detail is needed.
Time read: **10:57:39**
